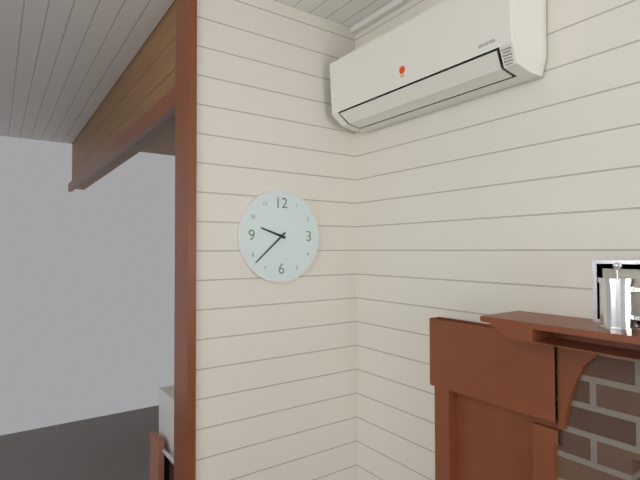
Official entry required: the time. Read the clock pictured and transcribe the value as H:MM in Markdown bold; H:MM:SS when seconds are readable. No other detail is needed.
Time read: **9:38**
